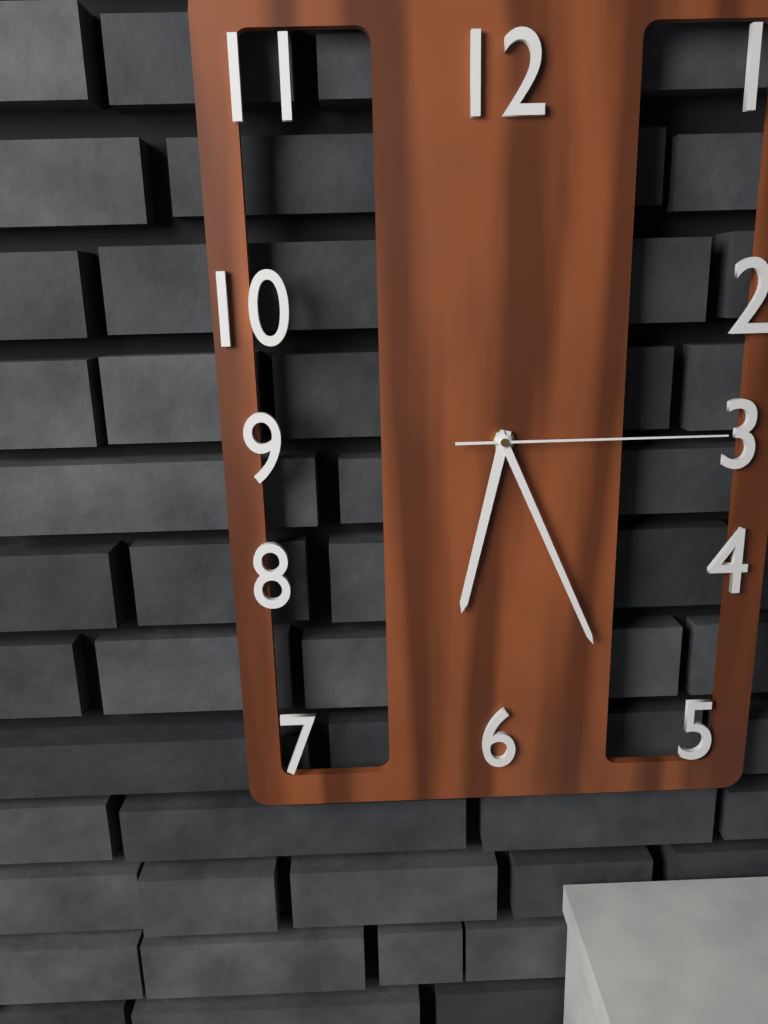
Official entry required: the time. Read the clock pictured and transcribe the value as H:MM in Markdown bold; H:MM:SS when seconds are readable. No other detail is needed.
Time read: **6:26:15**
